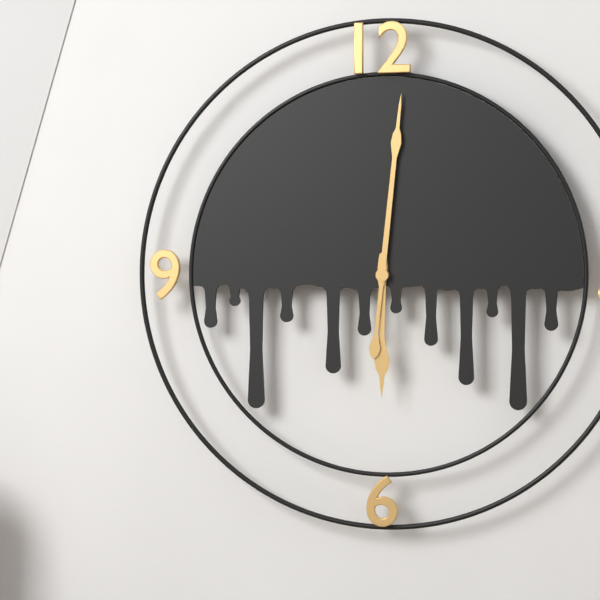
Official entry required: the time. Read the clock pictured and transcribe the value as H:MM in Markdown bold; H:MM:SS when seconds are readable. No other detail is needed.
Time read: **6:01**
